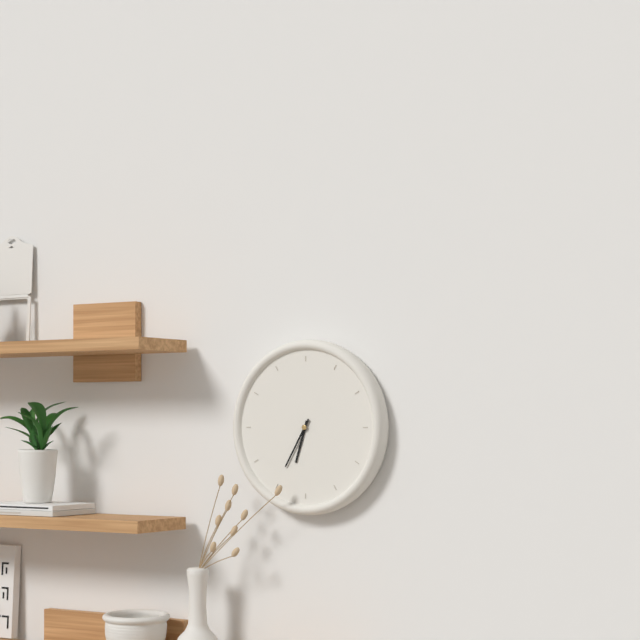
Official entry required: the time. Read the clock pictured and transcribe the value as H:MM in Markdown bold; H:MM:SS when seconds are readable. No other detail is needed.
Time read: **6:35**
